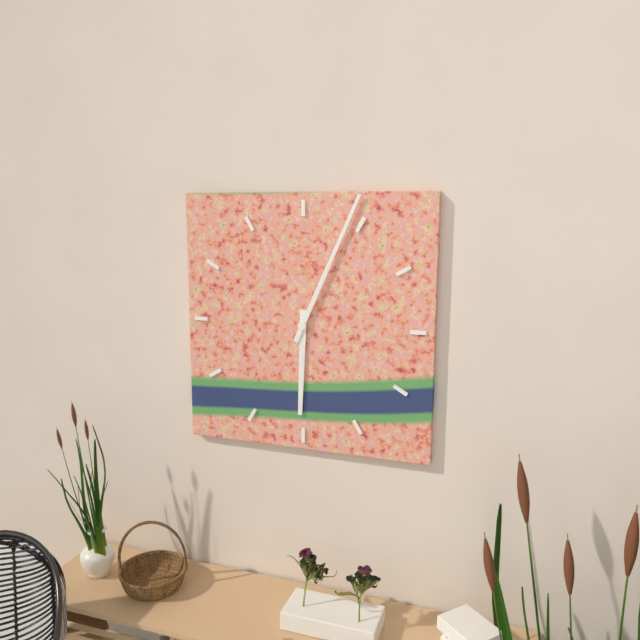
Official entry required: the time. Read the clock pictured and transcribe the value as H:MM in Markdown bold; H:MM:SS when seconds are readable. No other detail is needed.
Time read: **6:04**
